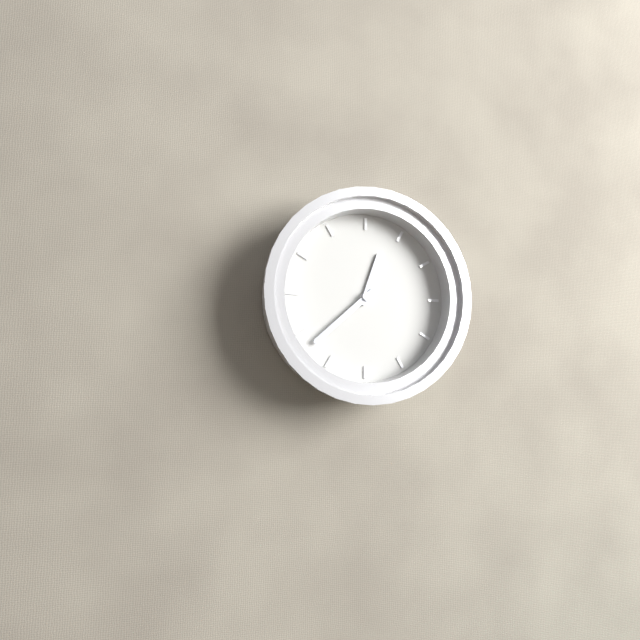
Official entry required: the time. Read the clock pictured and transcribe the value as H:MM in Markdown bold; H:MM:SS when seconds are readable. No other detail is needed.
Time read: **12:38**
